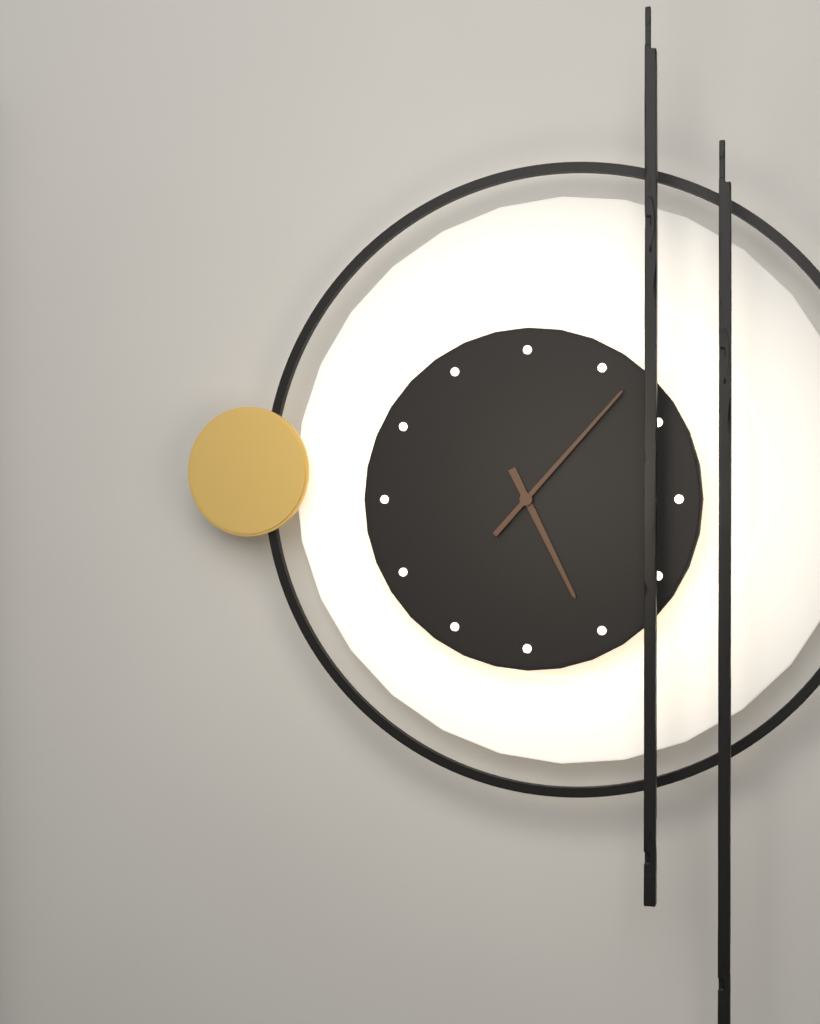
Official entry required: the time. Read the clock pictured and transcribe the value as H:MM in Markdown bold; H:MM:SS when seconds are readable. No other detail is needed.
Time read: **5:07**
